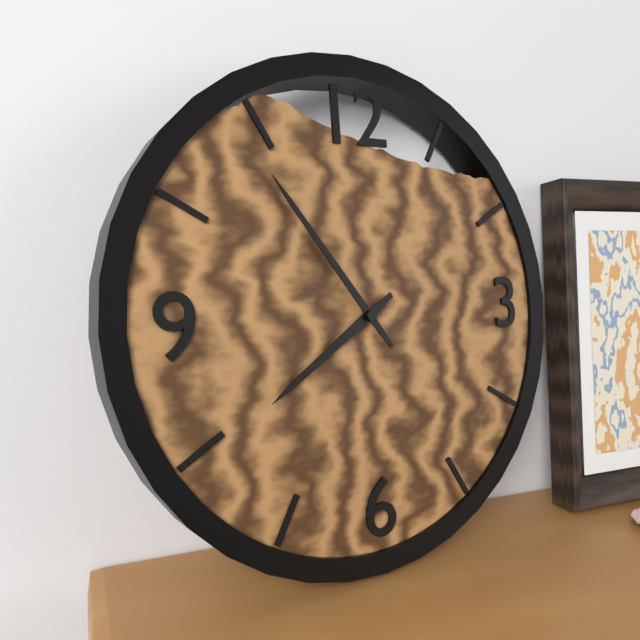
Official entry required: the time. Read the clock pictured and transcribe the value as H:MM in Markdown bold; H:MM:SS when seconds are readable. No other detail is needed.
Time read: **7:54**
